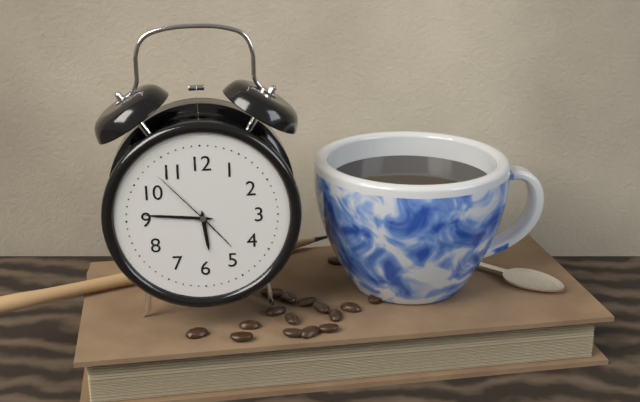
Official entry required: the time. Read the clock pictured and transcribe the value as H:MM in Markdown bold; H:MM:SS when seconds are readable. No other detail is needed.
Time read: **5:46:53**
